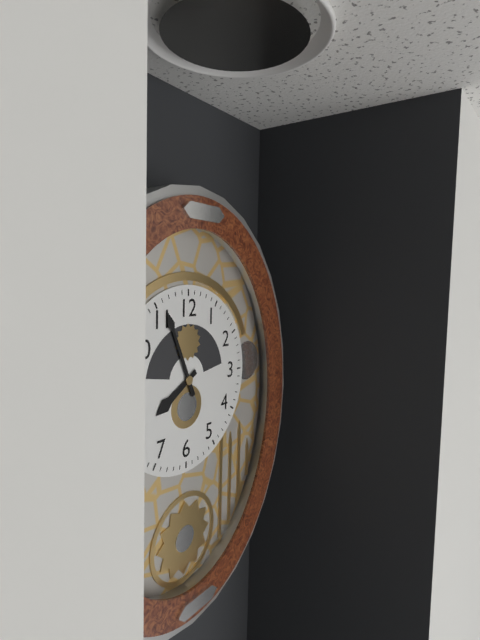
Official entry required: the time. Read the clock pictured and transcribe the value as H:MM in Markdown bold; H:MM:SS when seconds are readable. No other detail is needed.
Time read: **7:56**
